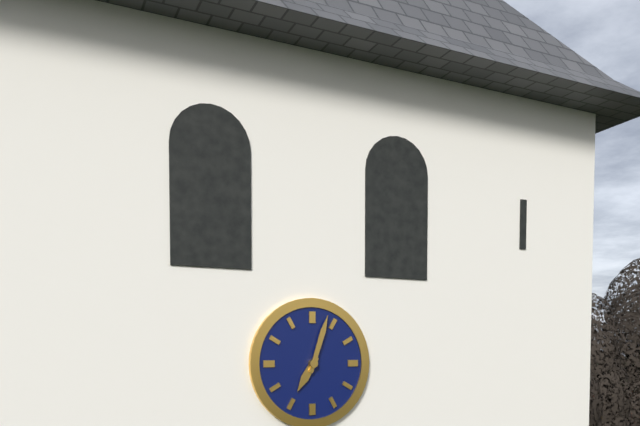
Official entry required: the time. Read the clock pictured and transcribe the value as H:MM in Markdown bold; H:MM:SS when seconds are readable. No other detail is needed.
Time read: **7:03**
